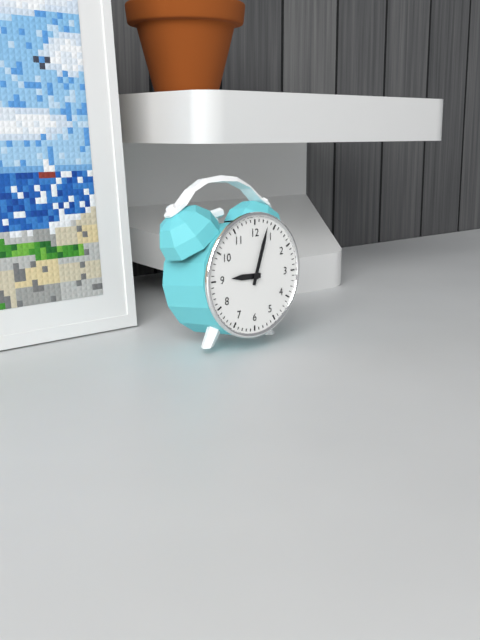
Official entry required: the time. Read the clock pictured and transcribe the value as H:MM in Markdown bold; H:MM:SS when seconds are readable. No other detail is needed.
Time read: **9:03**
